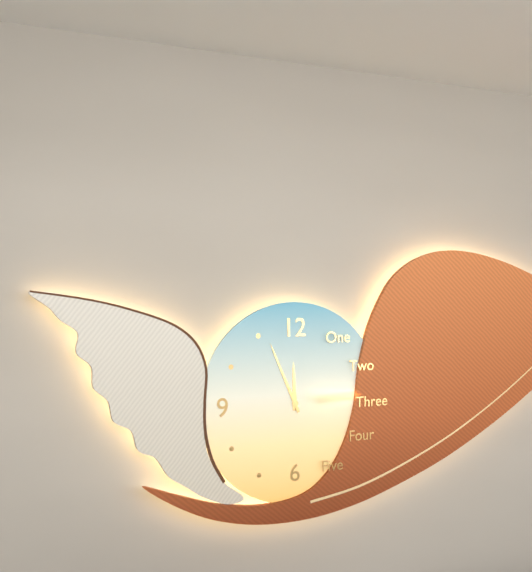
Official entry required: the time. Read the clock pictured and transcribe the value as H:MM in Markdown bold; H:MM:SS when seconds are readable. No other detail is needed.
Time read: **11:56**
